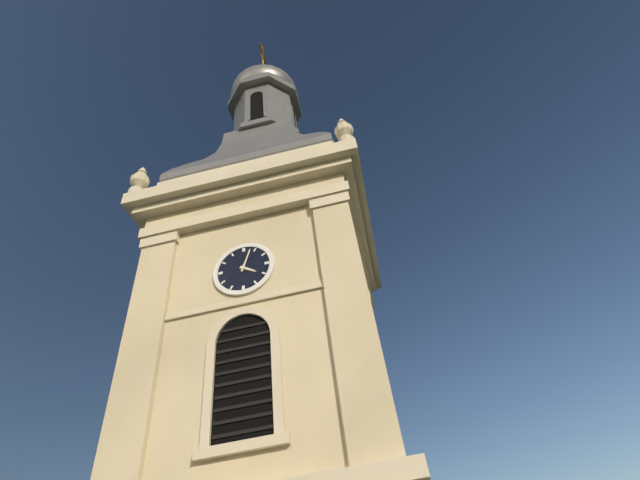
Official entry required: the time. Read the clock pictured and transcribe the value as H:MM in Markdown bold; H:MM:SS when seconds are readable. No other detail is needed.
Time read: **4:03**
